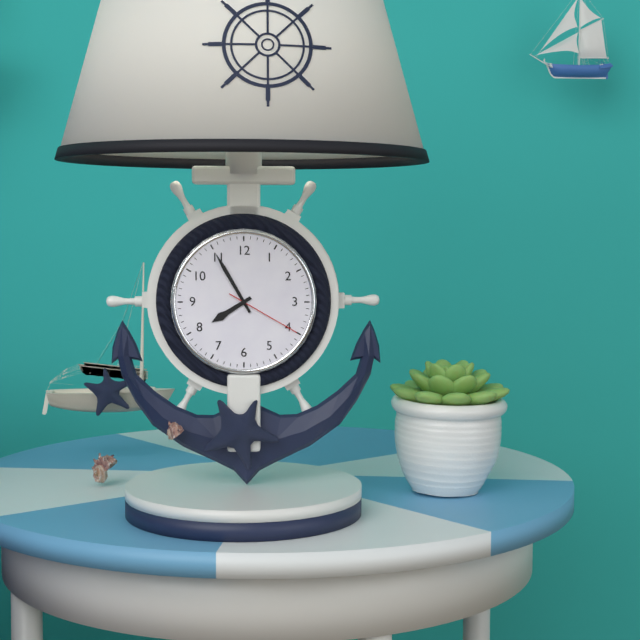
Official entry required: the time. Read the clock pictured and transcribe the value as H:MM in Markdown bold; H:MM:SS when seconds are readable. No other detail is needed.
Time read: **7:55:20**
